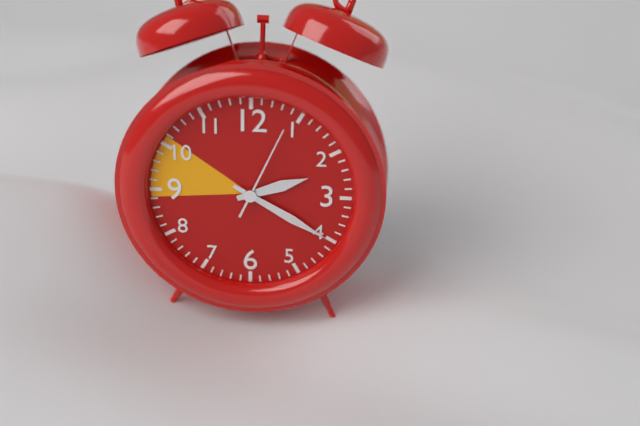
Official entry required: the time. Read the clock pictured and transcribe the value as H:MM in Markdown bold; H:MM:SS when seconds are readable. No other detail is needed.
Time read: **2:20:04**
